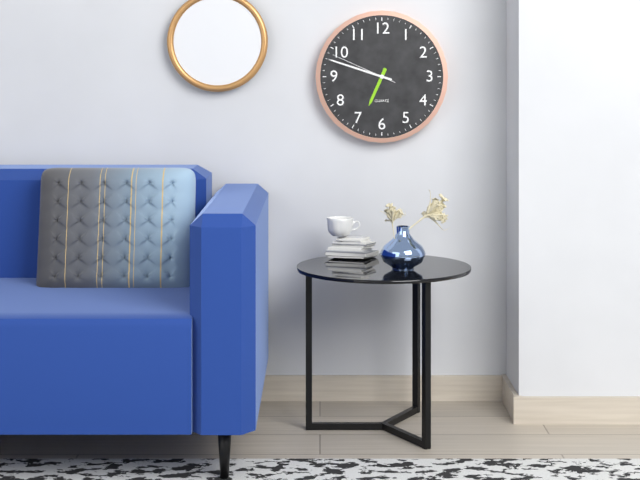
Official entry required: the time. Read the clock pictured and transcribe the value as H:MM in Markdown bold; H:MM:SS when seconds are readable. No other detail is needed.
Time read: **6:48:49**
